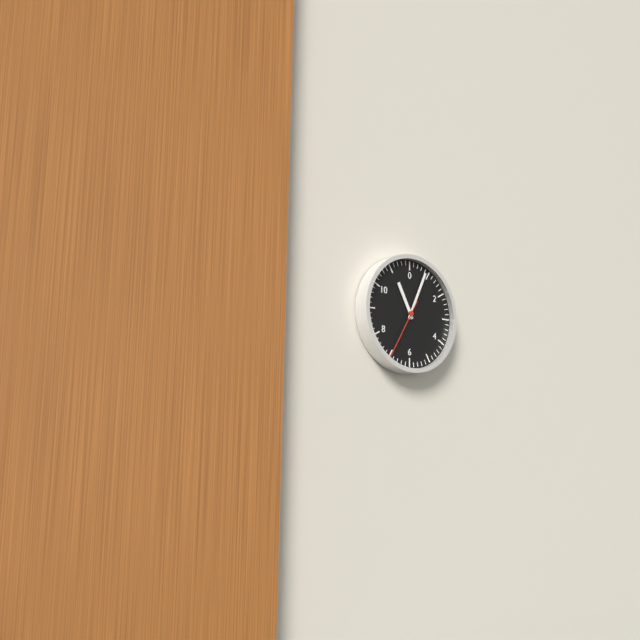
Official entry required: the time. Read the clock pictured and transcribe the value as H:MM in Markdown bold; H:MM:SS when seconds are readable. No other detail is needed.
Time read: **11:04:35**
